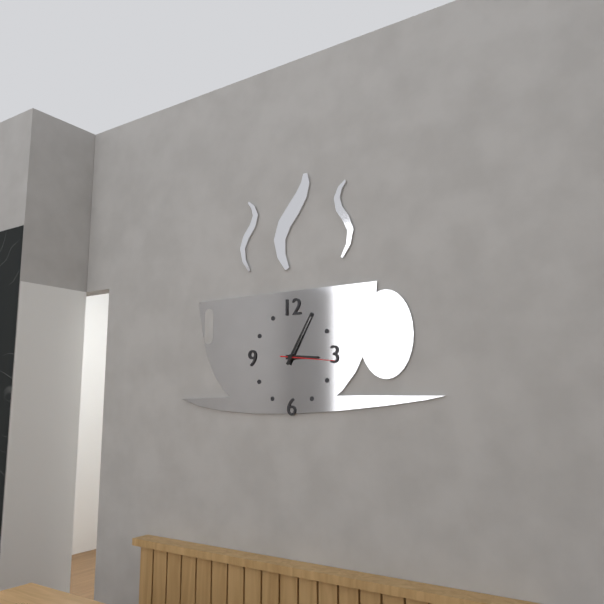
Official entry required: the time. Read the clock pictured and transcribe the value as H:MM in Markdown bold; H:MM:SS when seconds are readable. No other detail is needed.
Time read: **3:05:16**
